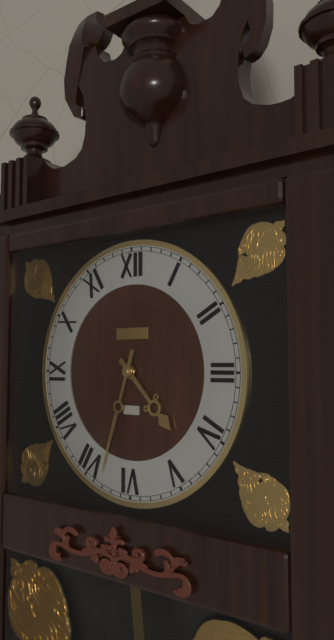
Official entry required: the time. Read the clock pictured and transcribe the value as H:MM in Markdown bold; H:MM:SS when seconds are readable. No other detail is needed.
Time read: **4:33**
